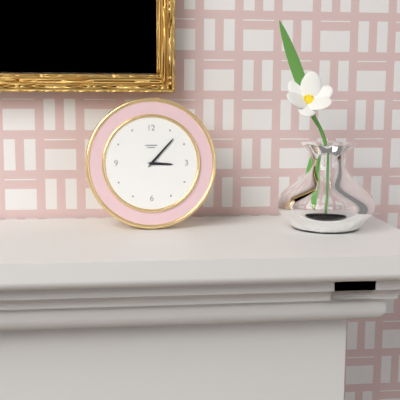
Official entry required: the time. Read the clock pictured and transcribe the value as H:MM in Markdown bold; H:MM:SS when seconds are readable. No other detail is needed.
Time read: **3:07**
